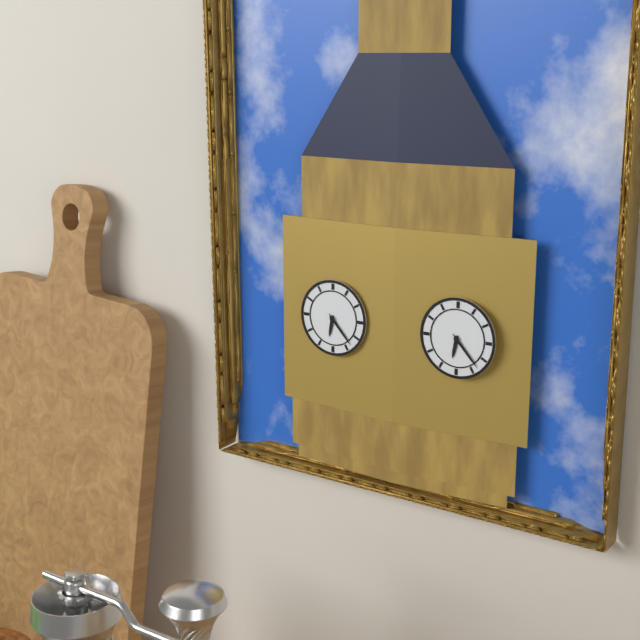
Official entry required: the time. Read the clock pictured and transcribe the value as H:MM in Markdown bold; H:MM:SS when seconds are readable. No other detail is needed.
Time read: **6:23**
